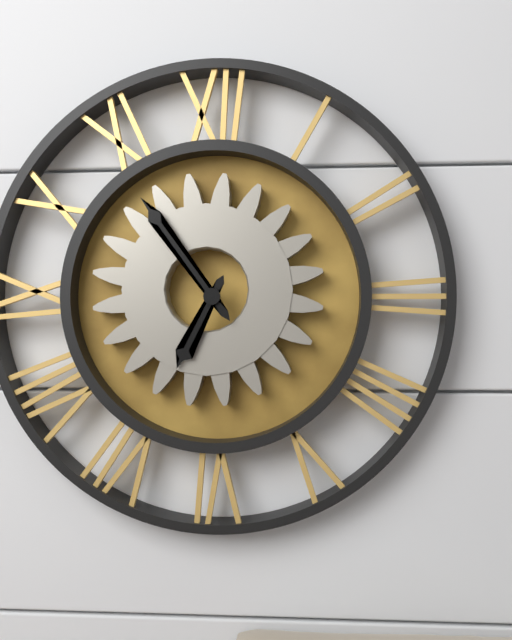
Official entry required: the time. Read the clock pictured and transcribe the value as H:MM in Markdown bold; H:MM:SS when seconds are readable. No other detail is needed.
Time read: **6:54**
